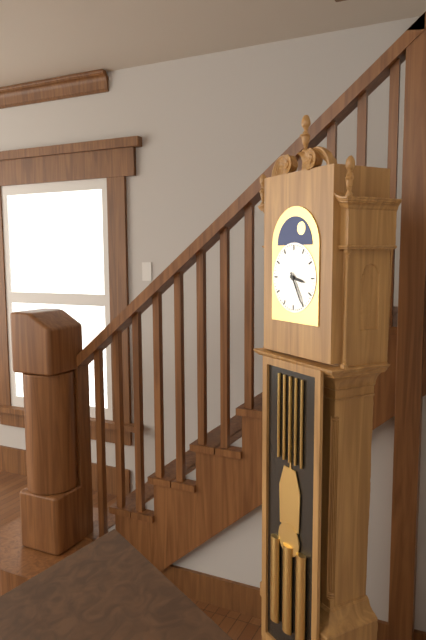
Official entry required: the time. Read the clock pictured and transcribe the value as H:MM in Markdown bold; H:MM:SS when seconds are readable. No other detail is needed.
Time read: **3:25**
